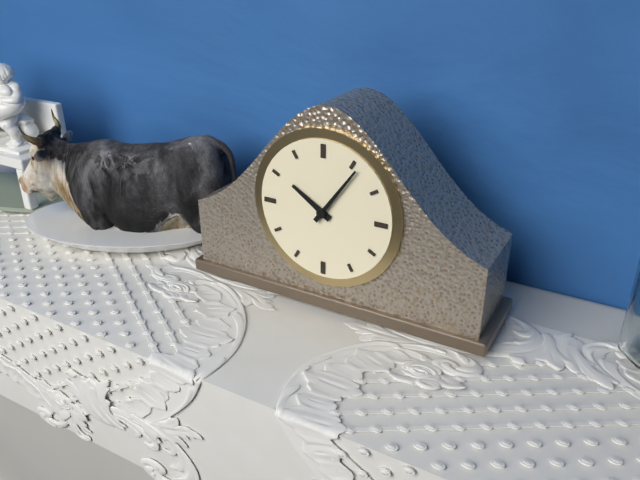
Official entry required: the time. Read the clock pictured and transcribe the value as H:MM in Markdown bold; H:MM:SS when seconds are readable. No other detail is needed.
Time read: **10:06**
